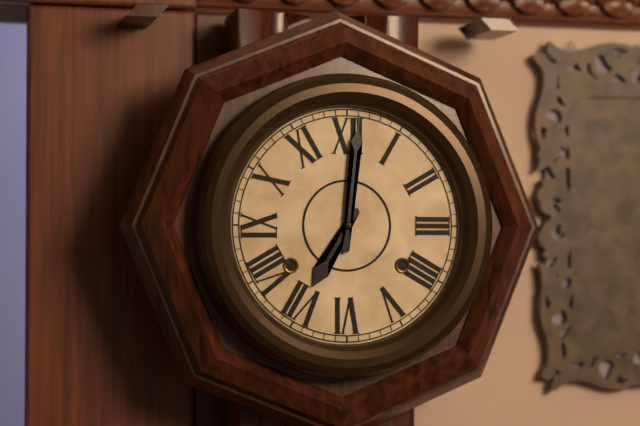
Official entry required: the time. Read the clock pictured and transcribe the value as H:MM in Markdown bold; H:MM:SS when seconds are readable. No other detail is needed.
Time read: **7:01**
